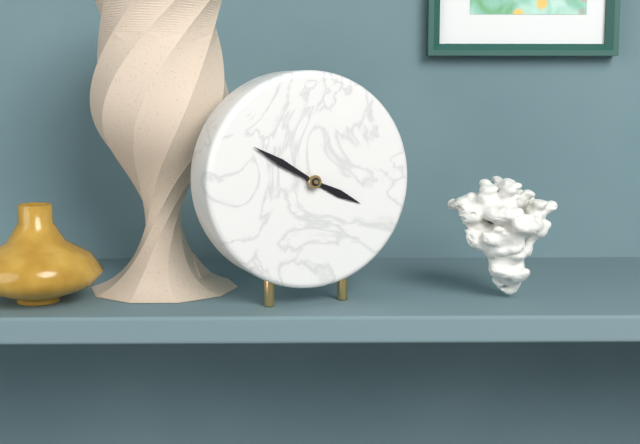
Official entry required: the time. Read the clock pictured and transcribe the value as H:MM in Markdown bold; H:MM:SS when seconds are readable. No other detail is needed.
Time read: **3:50**
